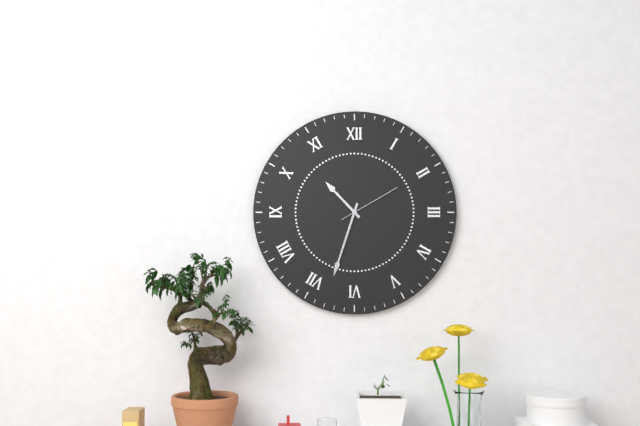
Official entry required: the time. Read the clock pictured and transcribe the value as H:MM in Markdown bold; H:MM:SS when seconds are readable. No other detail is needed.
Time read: **10:33:10**
